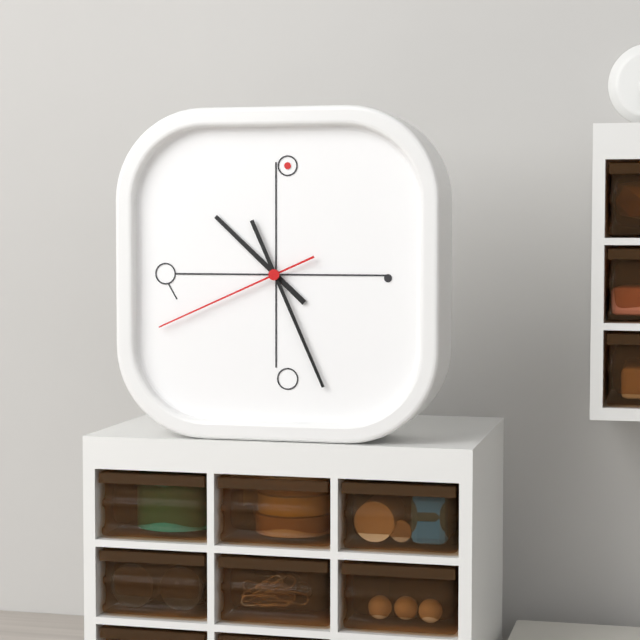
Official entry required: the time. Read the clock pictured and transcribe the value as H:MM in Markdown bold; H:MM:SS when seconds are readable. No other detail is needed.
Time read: **10:26:41**
